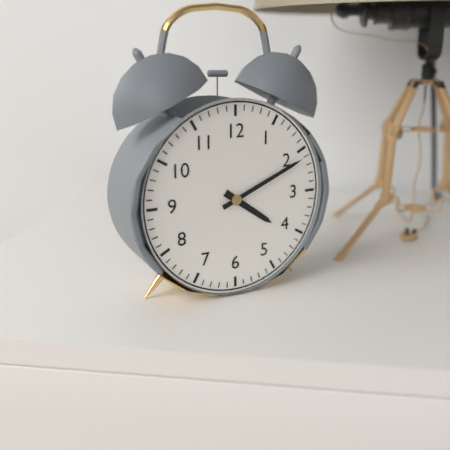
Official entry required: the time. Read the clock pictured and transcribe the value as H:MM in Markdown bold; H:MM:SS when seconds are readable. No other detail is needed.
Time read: **4:11**
